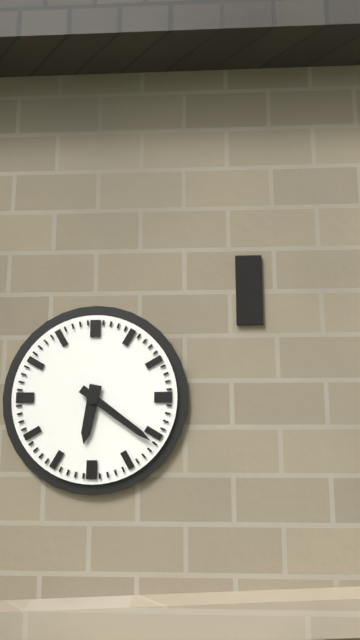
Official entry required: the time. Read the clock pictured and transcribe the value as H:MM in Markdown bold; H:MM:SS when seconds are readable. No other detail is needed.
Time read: **6:21**
